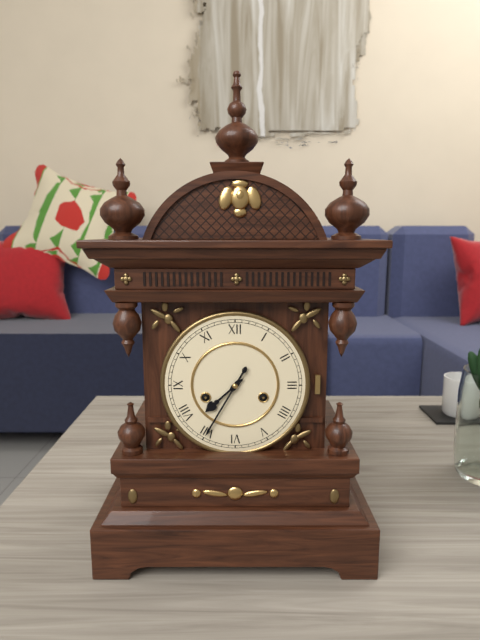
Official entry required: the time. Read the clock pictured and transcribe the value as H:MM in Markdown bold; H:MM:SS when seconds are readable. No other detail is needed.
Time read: **7:35**
